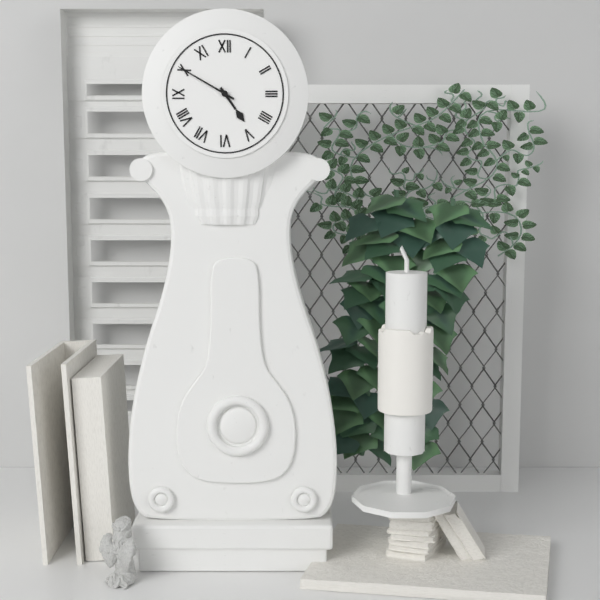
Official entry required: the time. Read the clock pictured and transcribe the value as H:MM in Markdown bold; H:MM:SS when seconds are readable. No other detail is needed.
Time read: **4:50**
